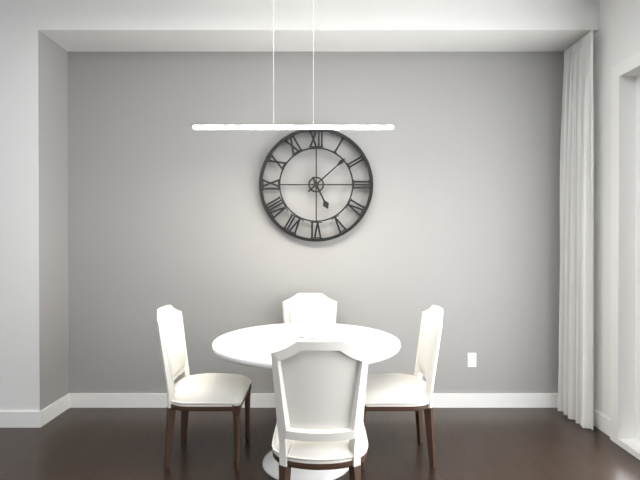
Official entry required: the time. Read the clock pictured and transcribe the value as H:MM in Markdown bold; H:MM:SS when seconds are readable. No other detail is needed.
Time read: **5:08**
